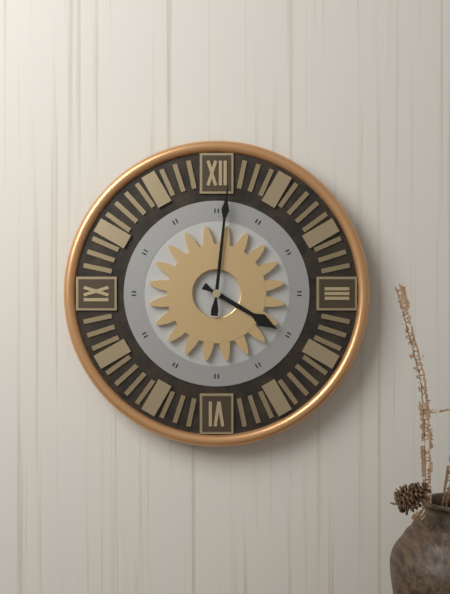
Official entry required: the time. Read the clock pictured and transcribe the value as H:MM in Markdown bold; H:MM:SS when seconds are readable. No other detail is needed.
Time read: **4:01**
